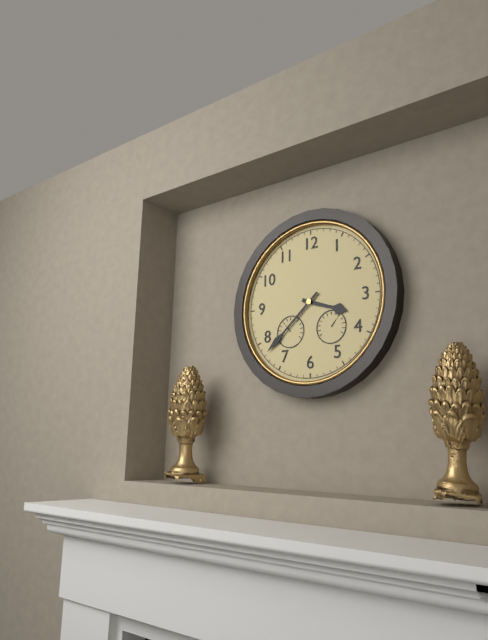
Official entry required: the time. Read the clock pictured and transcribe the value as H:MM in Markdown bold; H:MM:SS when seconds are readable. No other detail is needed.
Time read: **3:38**
